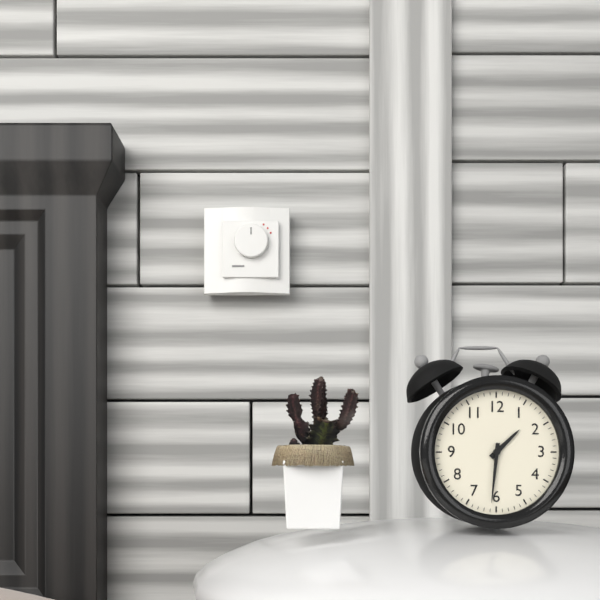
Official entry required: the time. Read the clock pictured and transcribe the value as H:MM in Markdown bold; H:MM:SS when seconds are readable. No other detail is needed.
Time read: **1:31**
